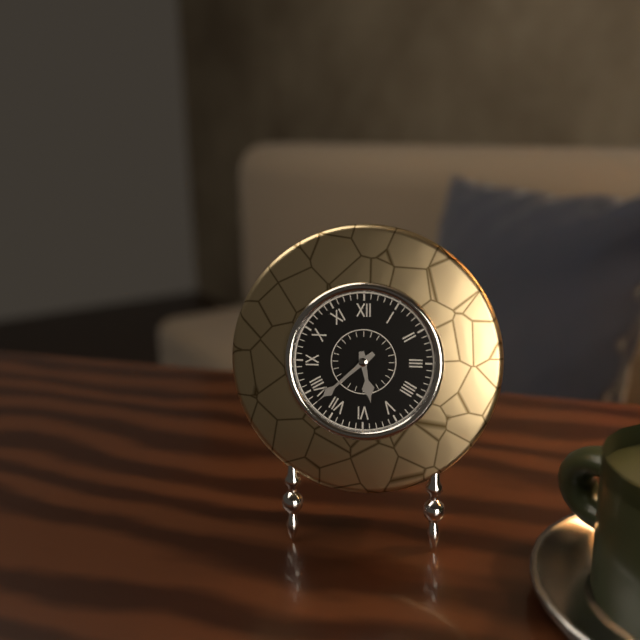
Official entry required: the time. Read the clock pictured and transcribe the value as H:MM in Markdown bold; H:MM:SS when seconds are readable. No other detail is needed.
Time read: **5:38**
